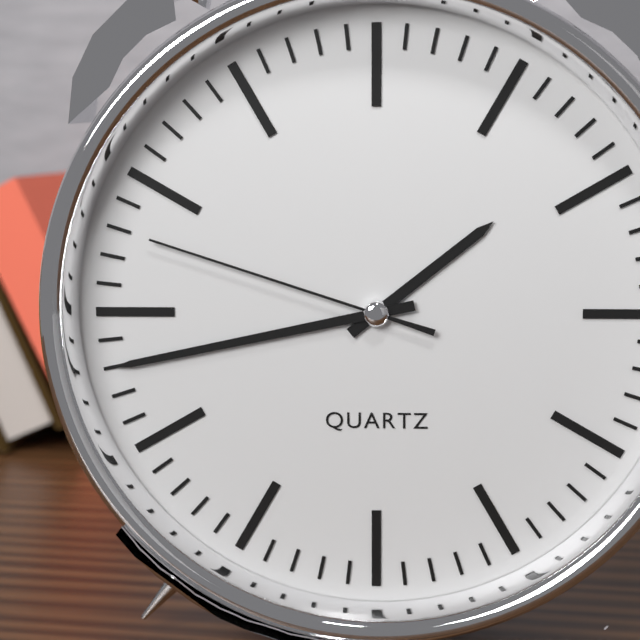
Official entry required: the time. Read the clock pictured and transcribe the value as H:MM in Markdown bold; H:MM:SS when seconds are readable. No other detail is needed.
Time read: **1:43:48**
